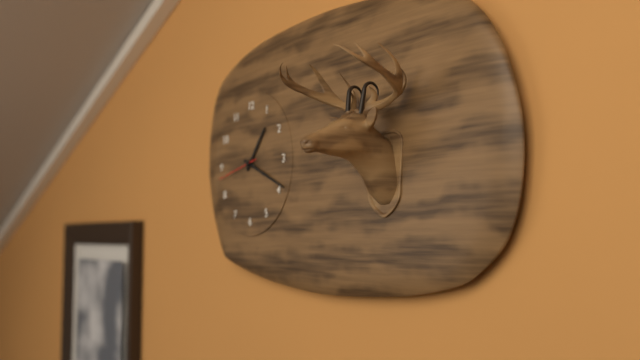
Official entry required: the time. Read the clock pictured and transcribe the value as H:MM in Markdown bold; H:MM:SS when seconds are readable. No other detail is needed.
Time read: **1:19**
